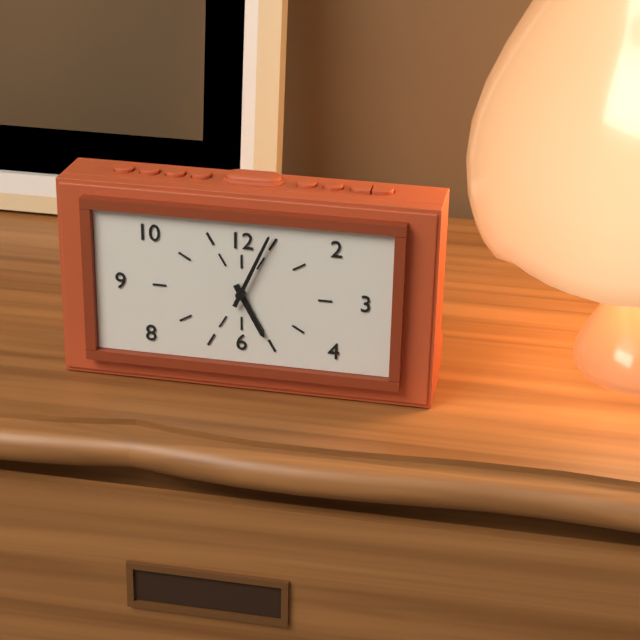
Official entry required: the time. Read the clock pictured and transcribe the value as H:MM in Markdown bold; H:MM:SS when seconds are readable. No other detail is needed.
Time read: **5:04**
